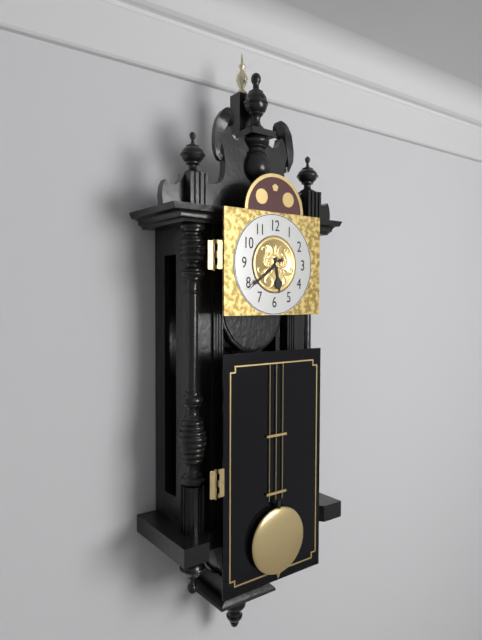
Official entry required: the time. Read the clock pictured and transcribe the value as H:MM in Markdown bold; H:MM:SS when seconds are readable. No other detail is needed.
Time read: **5:39**
